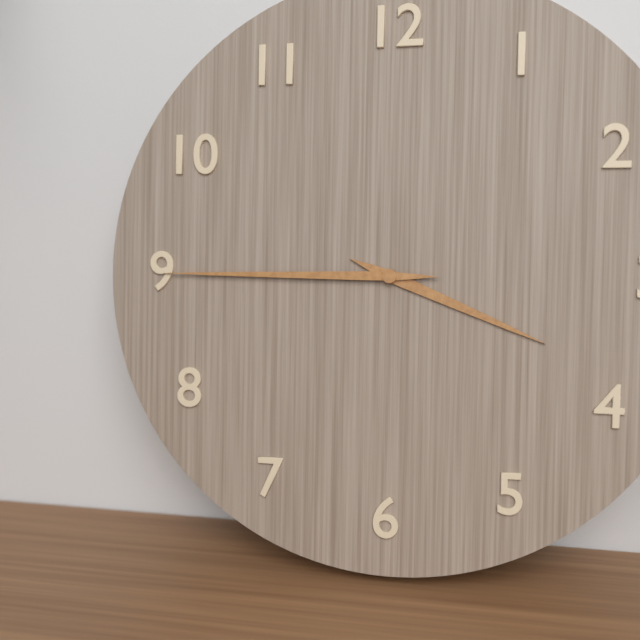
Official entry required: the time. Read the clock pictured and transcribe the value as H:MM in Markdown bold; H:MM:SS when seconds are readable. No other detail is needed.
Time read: **3:45**
